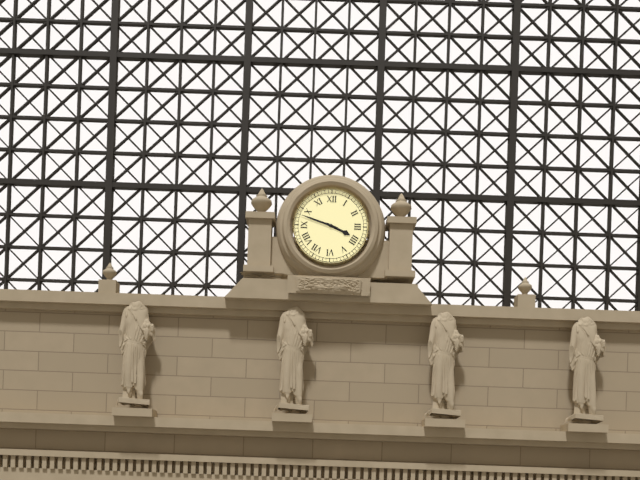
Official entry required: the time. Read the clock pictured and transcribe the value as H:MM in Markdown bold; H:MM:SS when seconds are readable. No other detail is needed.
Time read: **3:48**
